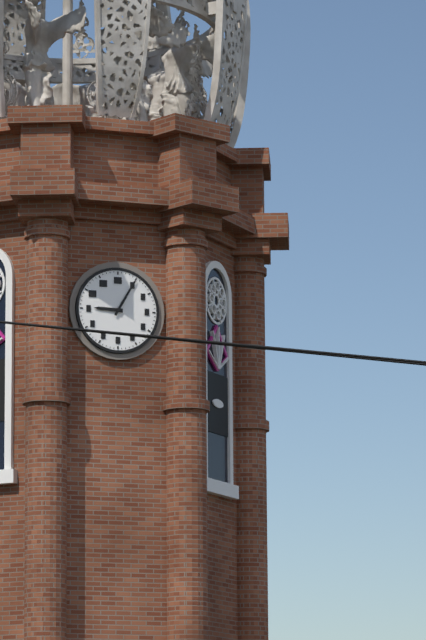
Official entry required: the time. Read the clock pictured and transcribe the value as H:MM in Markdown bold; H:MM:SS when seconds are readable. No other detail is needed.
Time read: **9:05**
